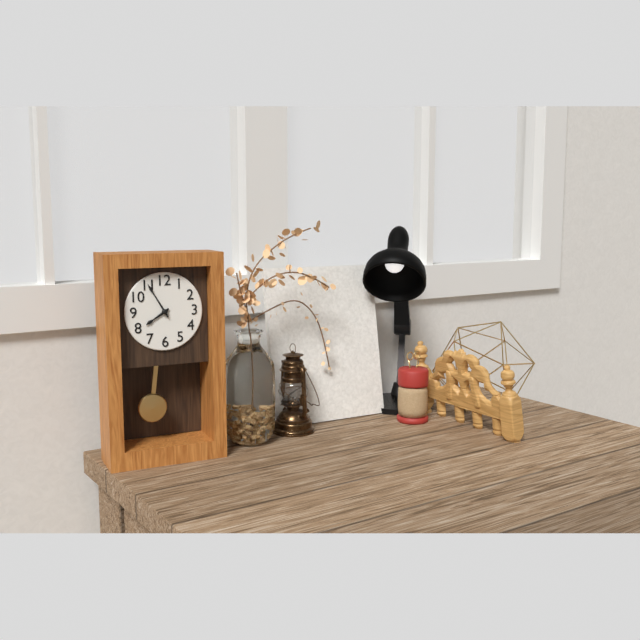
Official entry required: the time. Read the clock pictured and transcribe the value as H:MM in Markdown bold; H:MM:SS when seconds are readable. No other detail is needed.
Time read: **7:55**
